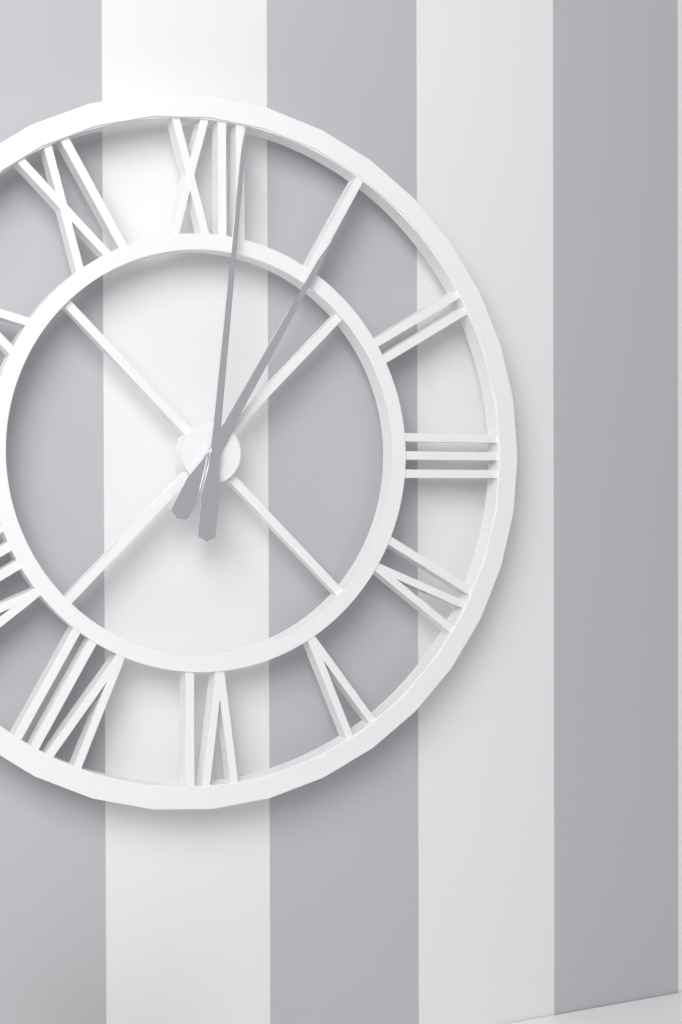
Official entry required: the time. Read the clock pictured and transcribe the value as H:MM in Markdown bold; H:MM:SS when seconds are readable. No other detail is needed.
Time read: **1:01**
